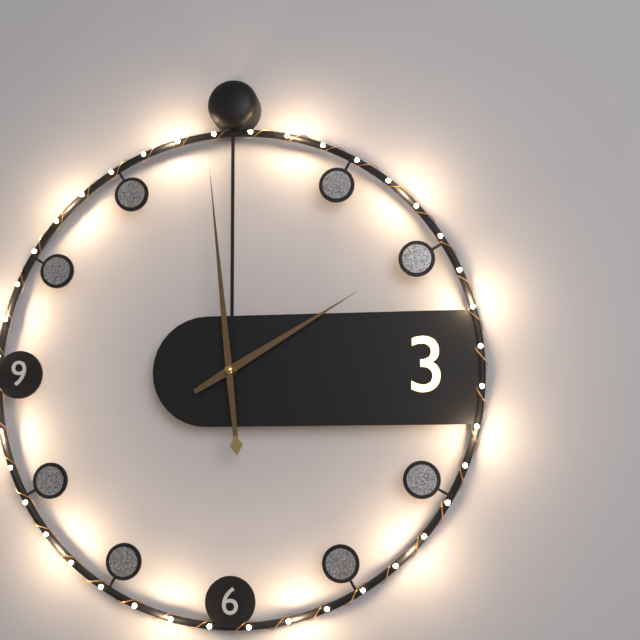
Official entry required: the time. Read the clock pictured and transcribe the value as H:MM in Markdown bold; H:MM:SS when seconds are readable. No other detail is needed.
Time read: **1:59**
